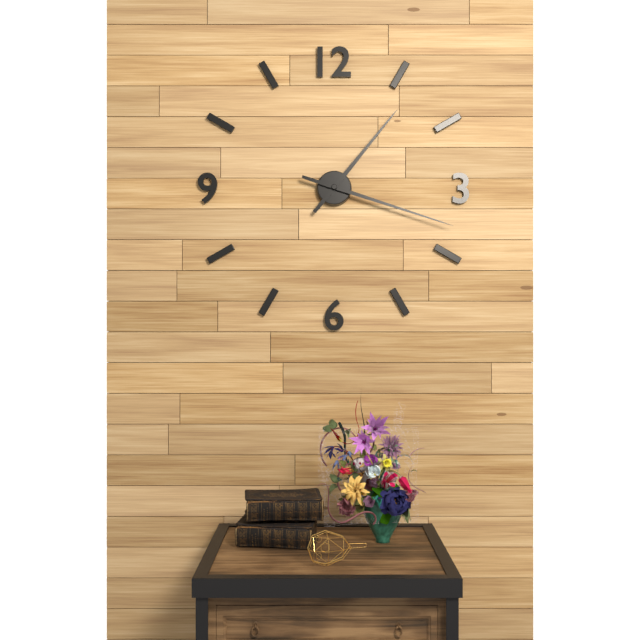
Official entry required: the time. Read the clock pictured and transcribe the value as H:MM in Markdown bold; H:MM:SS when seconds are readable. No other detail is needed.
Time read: **1:18**
